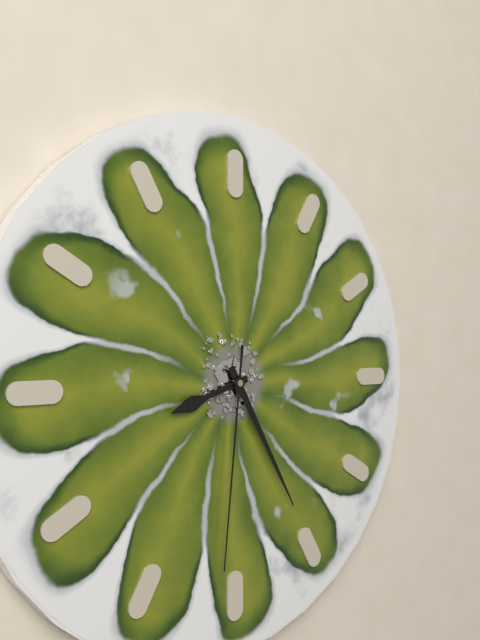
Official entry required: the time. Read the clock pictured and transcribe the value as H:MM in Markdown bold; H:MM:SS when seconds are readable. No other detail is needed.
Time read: **8:25:31**
